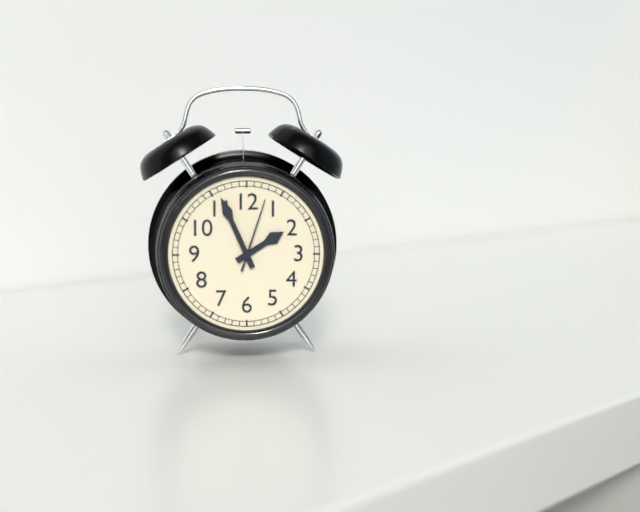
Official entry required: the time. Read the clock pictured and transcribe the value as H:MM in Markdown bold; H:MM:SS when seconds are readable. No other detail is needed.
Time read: **1:56:03**
